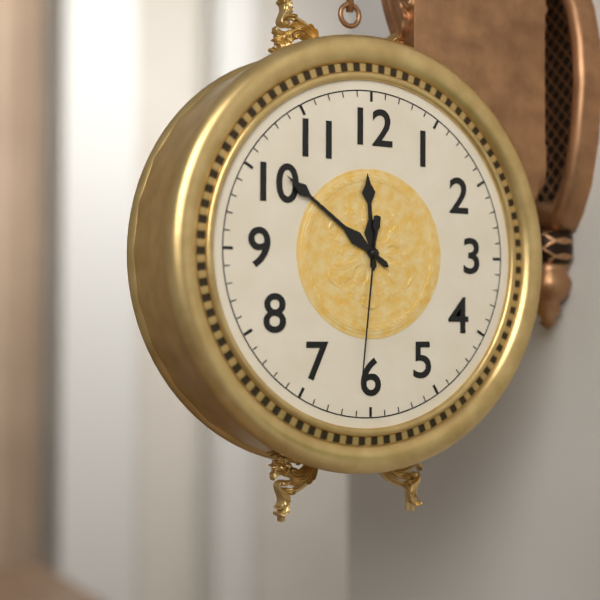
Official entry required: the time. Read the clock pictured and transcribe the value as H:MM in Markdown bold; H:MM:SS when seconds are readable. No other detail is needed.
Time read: **11:51:31**
